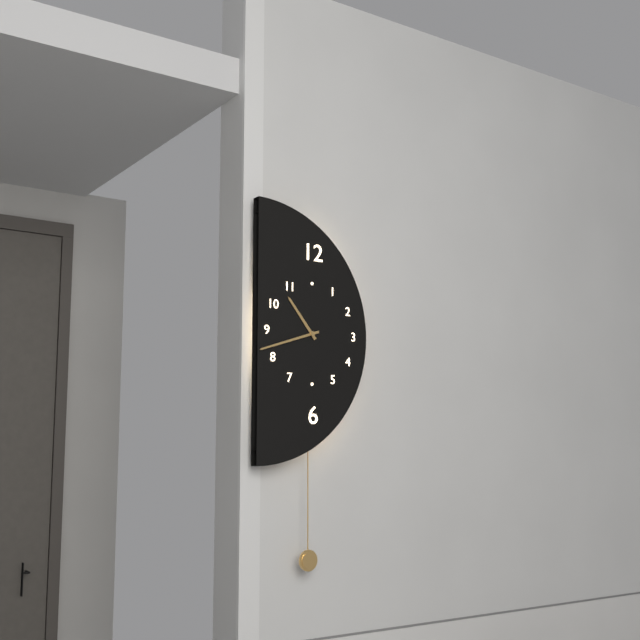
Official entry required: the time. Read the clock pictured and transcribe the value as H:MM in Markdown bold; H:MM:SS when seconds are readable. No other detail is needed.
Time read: **10:42**
